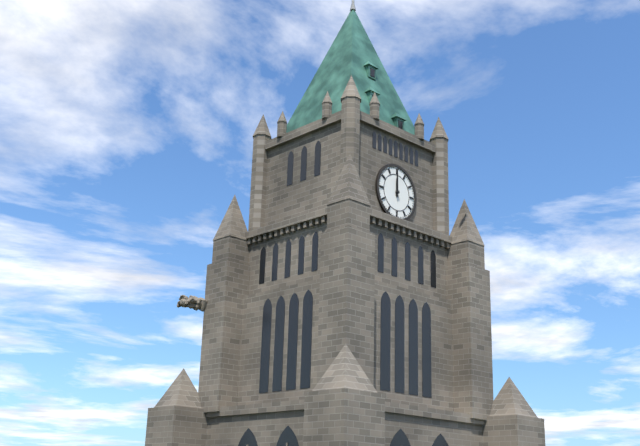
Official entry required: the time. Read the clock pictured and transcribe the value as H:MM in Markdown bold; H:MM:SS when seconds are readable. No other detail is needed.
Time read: **12:00**
